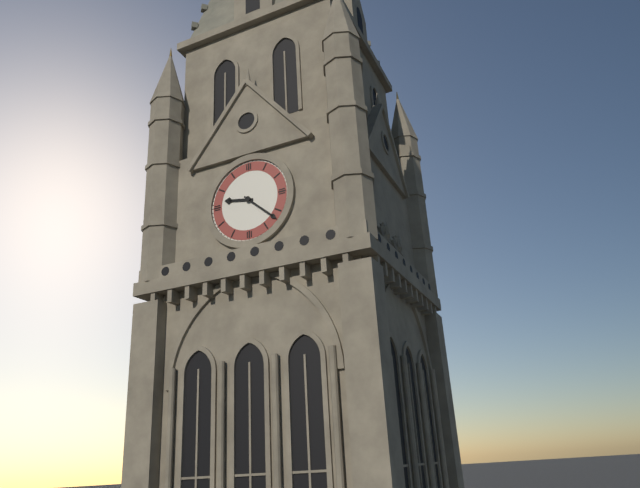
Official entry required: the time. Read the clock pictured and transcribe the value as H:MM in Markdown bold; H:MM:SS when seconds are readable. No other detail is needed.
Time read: **9:22**
